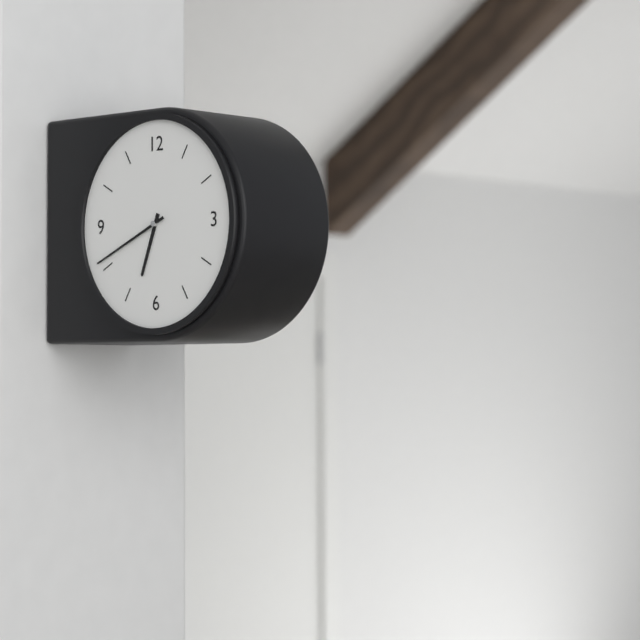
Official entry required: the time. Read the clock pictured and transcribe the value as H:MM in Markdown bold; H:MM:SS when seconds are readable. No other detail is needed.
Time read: **6:41**
